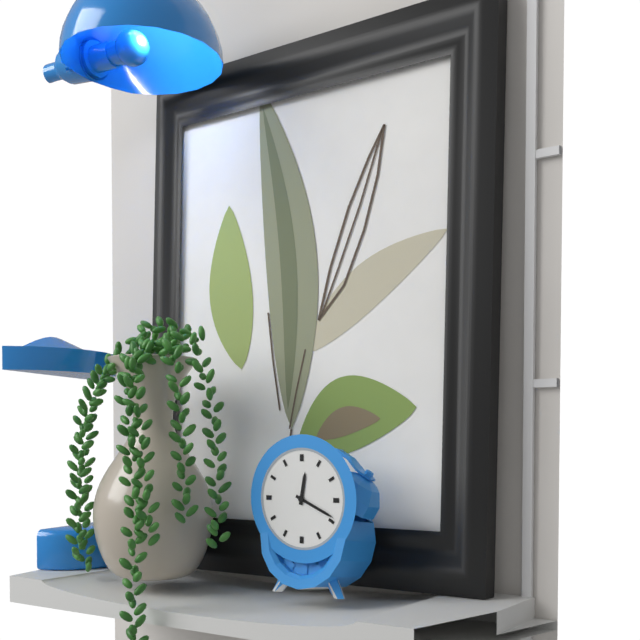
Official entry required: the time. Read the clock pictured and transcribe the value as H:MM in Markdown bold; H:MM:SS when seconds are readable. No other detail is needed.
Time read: **12:19**
